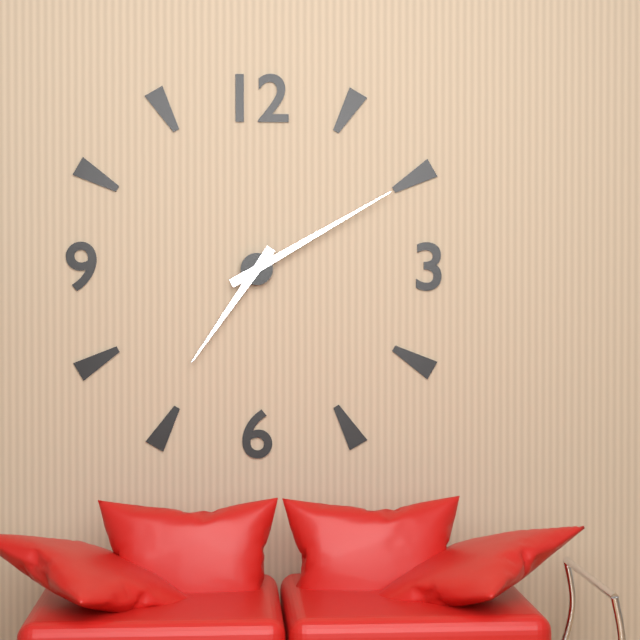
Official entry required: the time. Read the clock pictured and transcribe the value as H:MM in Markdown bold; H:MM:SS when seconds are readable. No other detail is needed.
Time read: **7:10**
